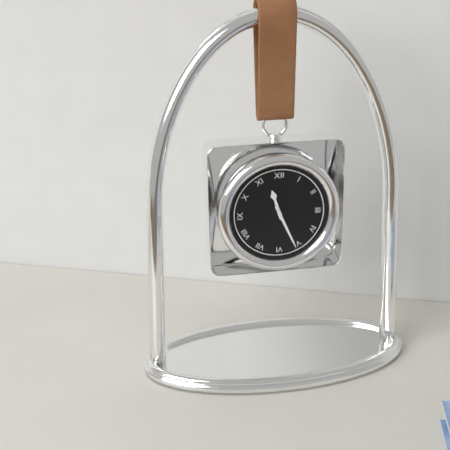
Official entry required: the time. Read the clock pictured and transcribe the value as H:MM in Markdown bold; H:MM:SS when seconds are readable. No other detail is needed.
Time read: **11:26**
